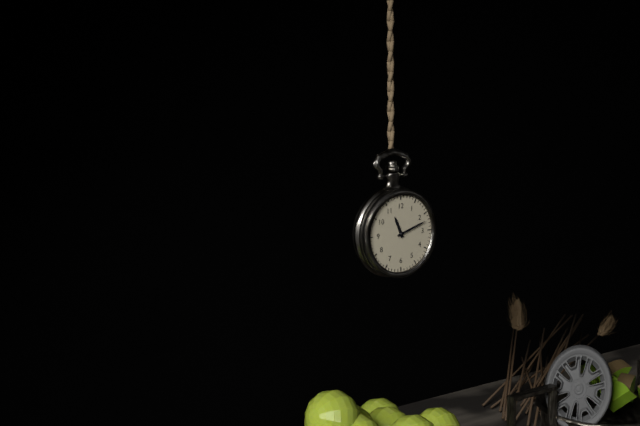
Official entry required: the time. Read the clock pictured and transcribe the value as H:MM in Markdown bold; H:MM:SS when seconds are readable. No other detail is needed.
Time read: **11:12**
